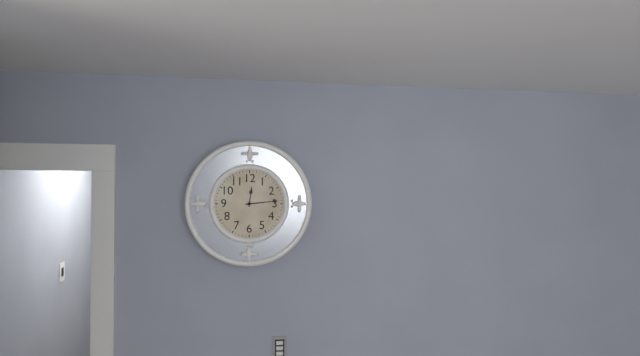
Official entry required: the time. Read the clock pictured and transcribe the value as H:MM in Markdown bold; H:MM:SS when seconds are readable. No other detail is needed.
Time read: **12:14**
